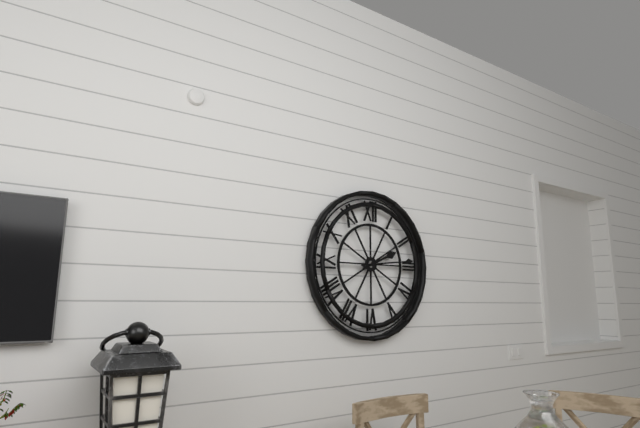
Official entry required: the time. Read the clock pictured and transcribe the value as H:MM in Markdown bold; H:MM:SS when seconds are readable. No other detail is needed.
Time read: **2:14**
